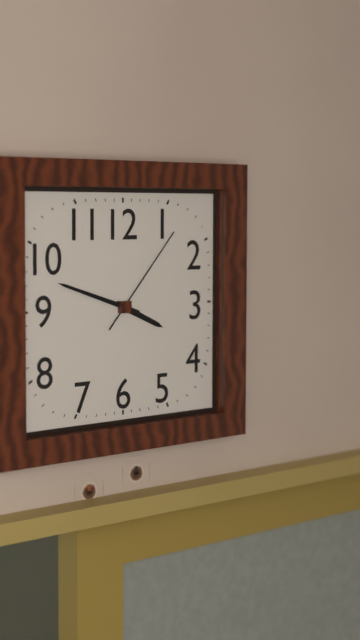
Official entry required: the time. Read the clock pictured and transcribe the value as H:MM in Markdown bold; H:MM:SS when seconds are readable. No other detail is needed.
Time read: **3:48:07**
